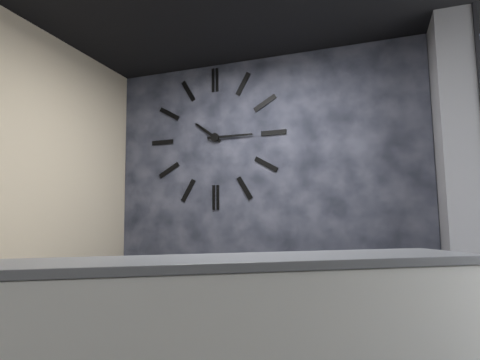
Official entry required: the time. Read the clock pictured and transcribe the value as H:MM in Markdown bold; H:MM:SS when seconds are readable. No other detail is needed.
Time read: **10:15**
